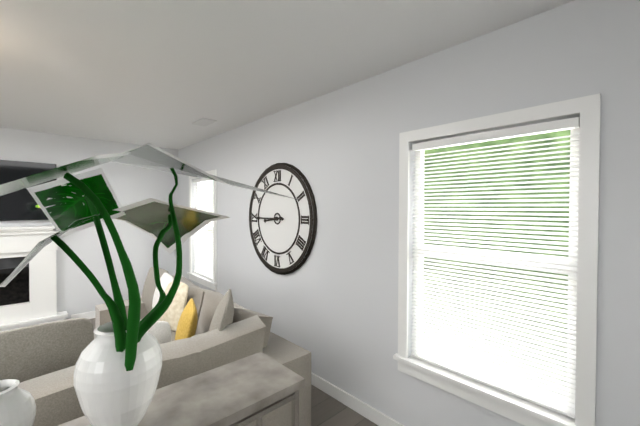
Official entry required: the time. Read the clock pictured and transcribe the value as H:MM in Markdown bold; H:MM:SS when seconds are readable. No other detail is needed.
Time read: **8:45**
